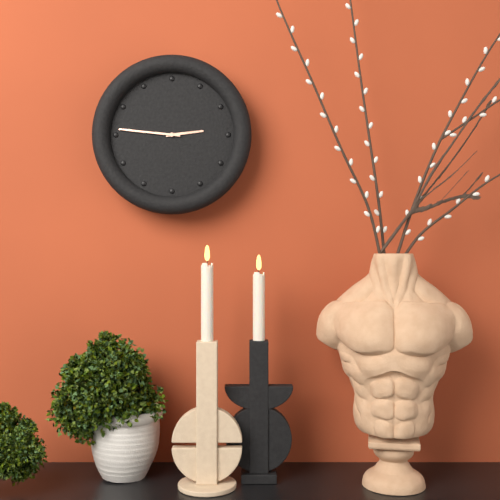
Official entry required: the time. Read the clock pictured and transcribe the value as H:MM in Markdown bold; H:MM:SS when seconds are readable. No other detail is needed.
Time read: **2:46**
